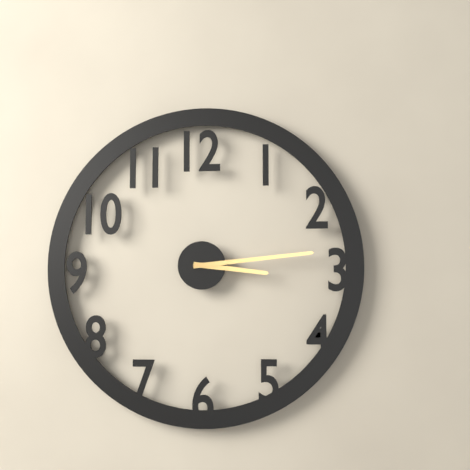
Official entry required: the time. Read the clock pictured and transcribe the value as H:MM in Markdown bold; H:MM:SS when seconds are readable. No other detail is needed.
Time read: **3:14**
